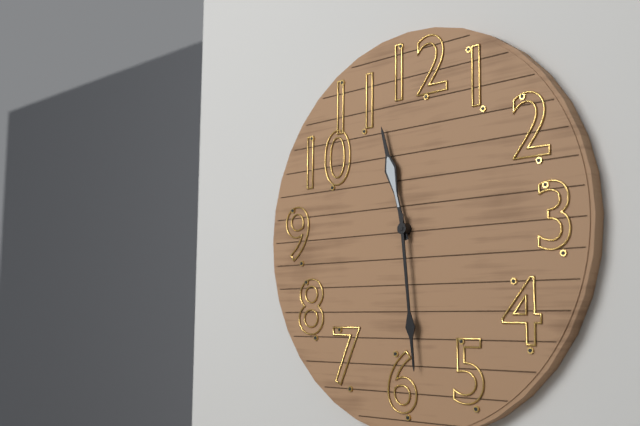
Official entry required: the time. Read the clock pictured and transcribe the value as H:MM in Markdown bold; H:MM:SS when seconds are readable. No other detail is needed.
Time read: **11:29**
